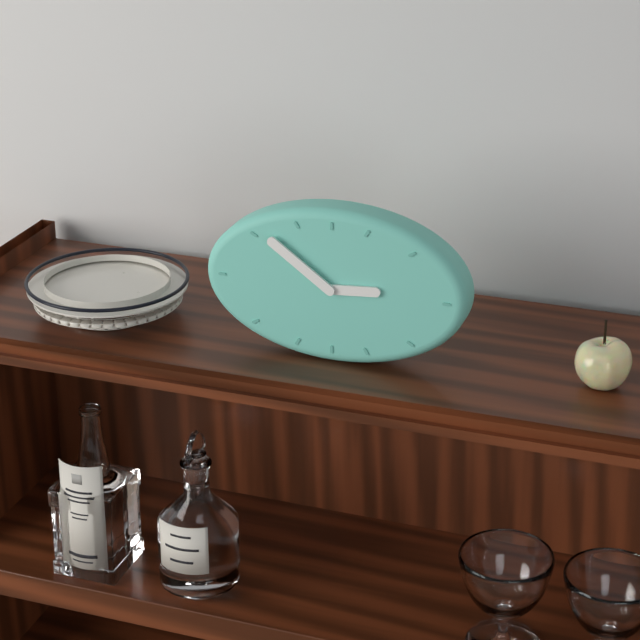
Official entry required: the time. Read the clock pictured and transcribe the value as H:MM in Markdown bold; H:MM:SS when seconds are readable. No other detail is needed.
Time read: **2:51**
